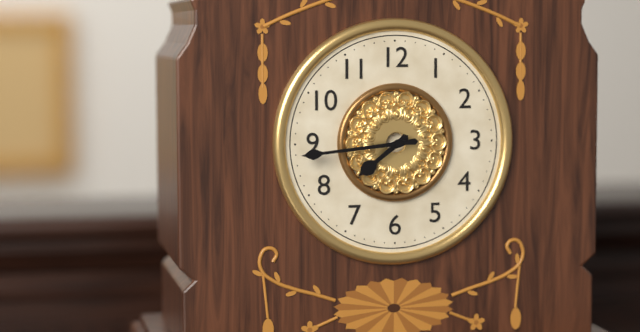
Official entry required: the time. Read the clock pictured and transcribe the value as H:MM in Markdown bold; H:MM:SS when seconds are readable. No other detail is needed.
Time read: **7:44**
